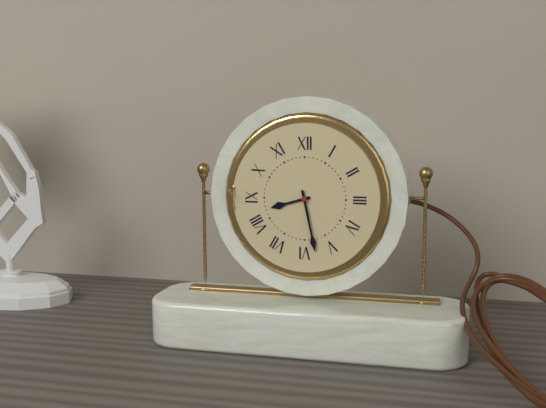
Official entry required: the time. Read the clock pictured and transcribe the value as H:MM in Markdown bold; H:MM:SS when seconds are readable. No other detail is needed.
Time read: **8:28**
